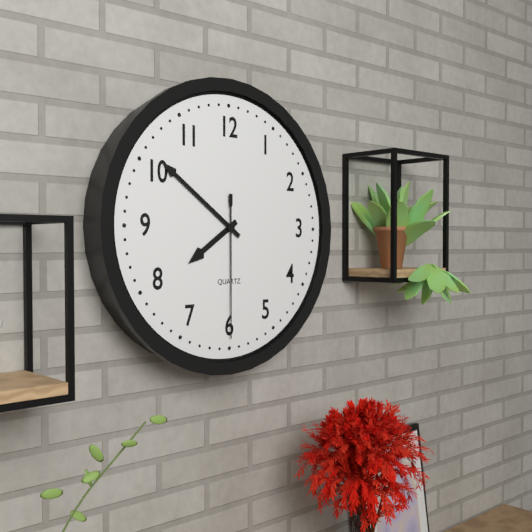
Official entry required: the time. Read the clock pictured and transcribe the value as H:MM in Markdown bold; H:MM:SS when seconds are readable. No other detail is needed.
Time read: **7:51:30**
